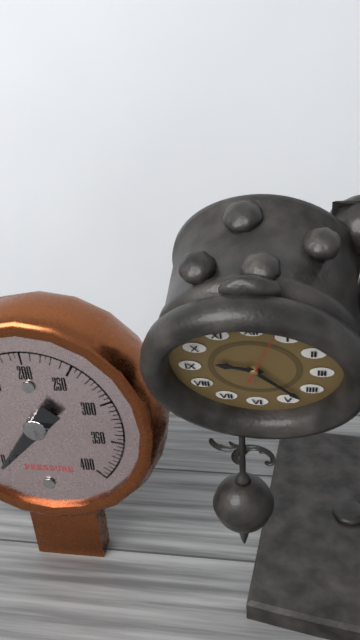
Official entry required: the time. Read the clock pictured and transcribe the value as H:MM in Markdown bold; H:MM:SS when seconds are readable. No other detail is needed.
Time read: **9:23:03**
